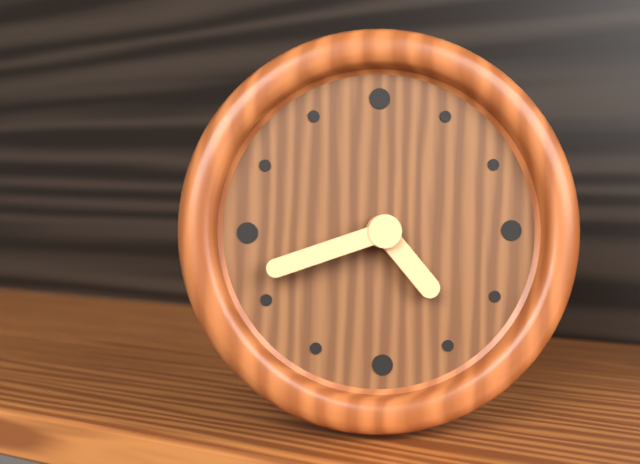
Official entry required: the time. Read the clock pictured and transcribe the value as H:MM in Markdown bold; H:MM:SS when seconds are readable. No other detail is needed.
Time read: **4:42**
